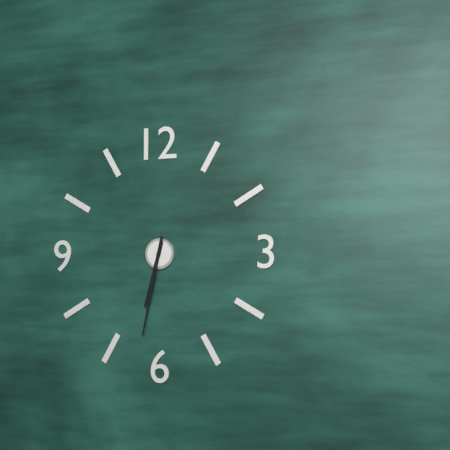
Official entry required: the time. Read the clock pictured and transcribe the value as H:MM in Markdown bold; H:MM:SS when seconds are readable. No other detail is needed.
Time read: **6:32**
